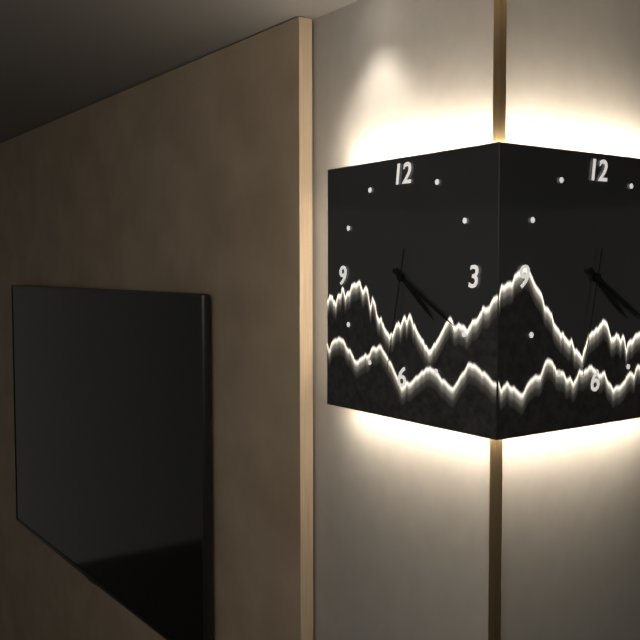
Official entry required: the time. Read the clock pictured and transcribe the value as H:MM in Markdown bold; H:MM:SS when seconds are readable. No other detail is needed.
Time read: **4:20:32**
